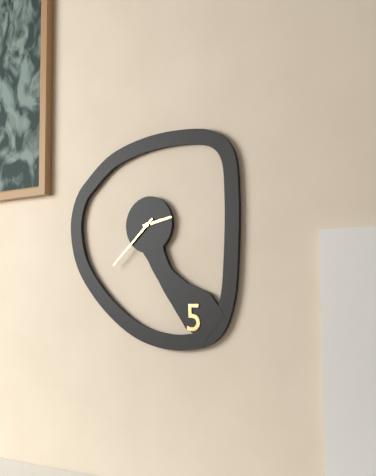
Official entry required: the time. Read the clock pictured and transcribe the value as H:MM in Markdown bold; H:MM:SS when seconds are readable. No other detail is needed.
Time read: **2:38**
